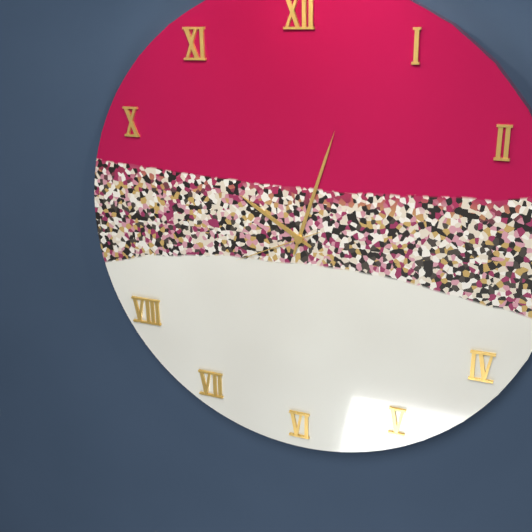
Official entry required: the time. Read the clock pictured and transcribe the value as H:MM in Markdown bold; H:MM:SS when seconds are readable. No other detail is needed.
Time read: **10:03:41**
